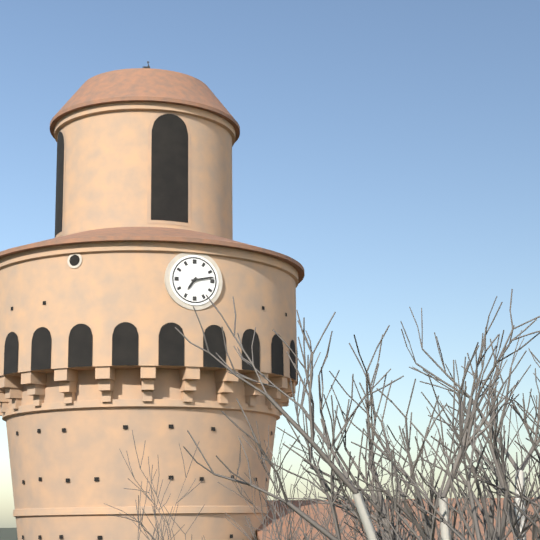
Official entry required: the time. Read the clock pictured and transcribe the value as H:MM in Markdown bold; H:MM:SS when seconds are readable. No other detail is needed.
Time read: **7:13**
